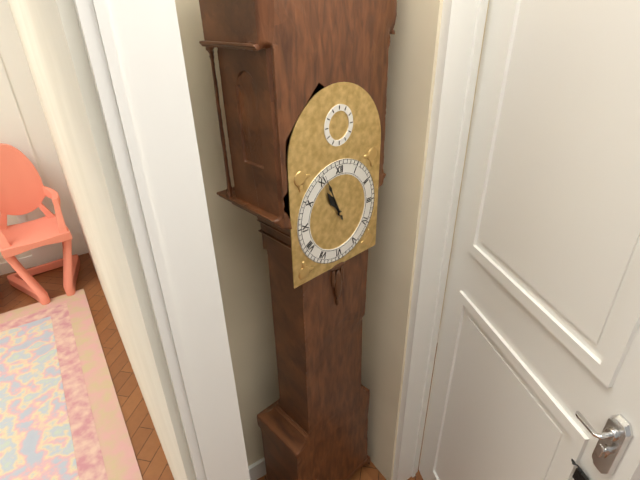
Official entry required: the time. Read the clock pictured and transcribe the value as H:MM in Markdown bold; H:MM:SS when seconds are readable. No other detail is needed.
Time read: **10:56**
